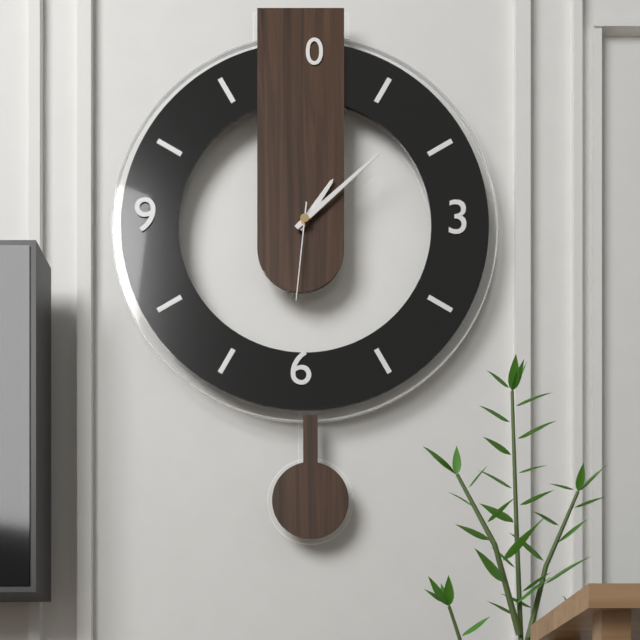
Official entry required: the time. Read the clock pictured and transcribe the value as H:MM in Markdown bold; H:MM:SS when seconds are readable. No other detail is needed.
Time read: **1:08:31**
